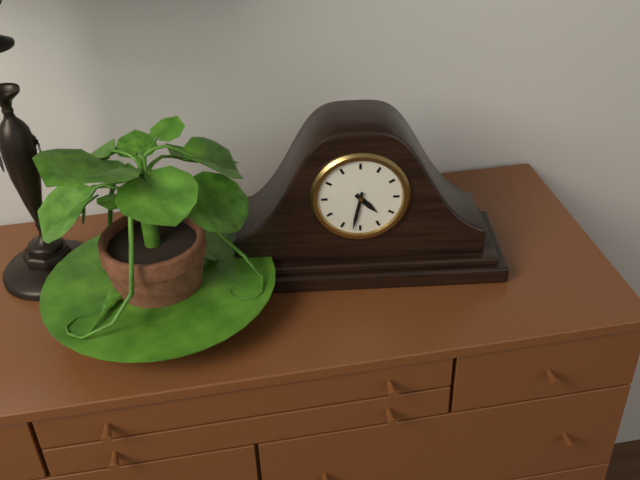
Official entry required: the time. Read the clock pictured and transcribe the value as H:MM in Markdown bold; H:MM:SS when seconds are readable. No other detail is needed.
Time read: **4:32**
